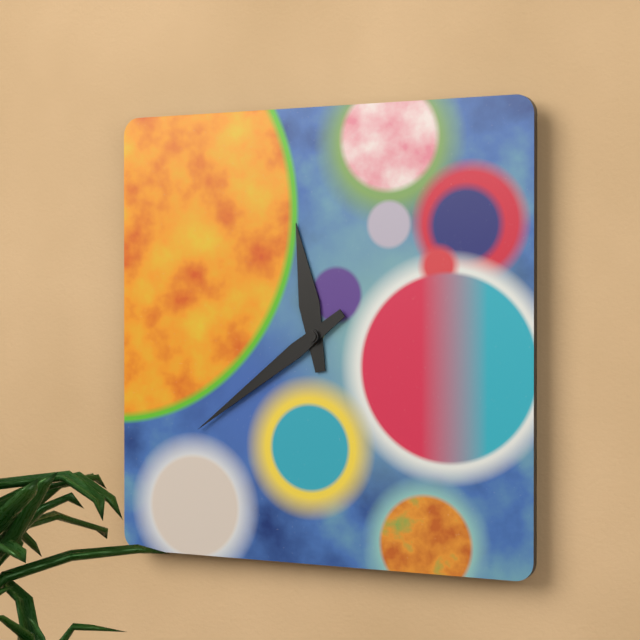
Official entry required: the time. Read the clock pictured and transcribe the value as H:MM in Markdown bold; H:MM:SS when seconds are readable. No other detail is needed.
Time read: **11:39**
